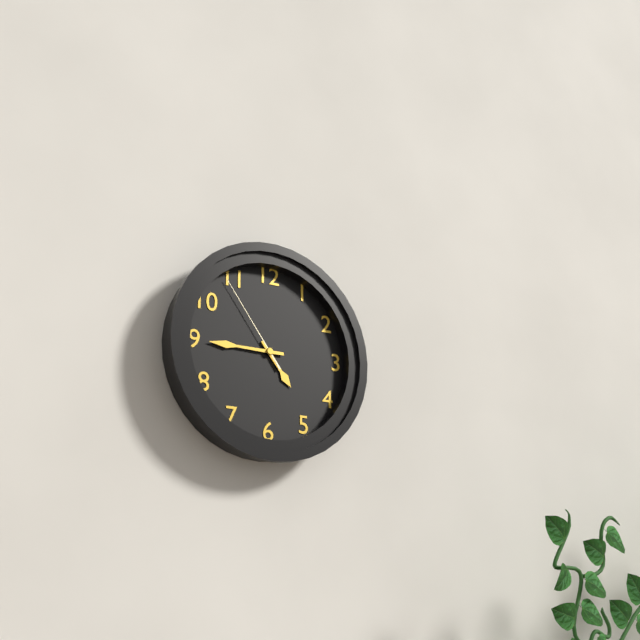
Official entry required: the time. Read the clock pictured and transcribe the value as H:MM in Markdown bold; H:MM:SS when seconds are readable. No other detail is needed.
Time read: **4:45:54**
